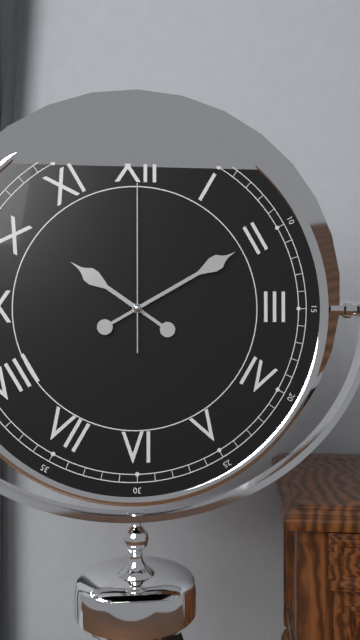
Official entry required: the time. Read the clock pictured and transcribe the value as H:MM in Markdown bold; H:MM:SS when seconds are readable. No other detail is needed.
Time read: **10:10:00**
